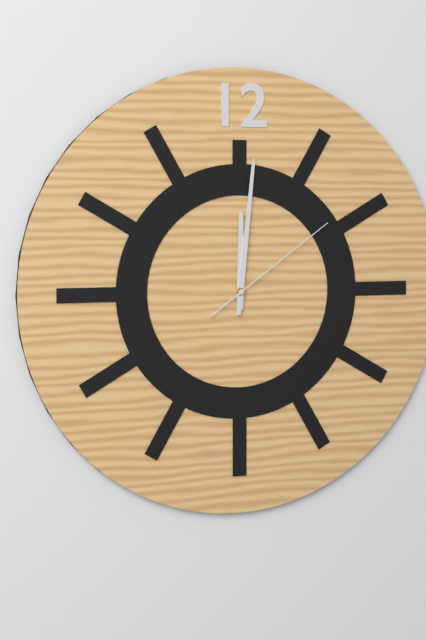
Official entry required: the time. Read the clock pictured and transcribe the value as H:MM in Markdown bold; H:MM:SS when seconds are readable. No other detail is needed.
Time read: **12:01:09**
